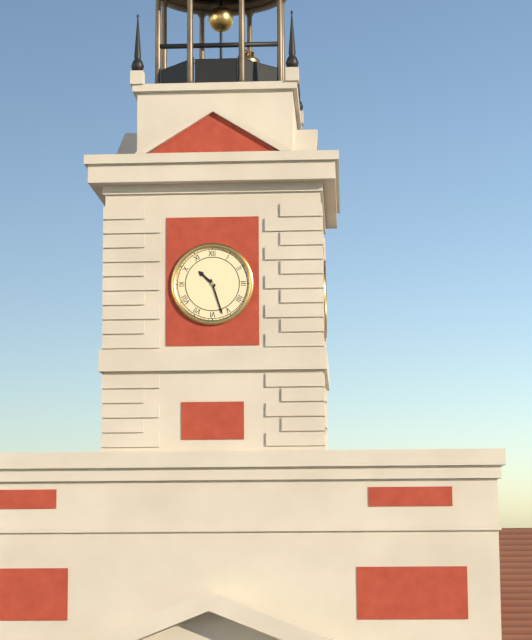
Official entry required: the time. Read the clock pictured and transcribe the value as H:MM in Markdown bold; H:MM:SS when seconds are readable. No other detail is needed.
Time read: **10:27**
